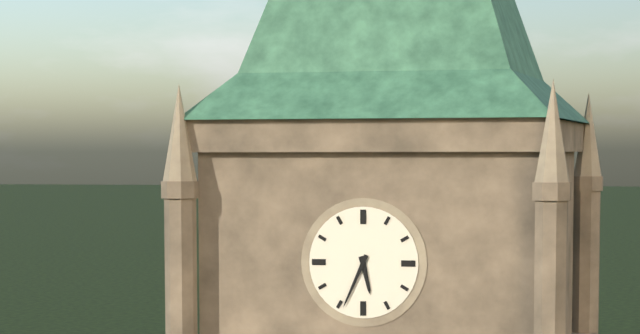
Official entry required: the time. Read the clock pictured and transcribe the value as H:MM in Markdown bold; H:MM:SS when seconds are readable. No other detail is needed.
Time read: **5:34**
